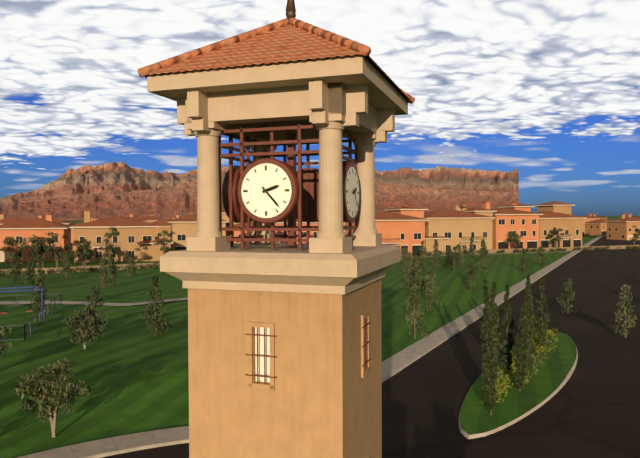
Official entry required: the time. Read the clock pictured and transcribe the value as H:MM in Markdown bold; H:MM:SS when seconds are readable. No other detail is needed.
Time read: **2:23**
